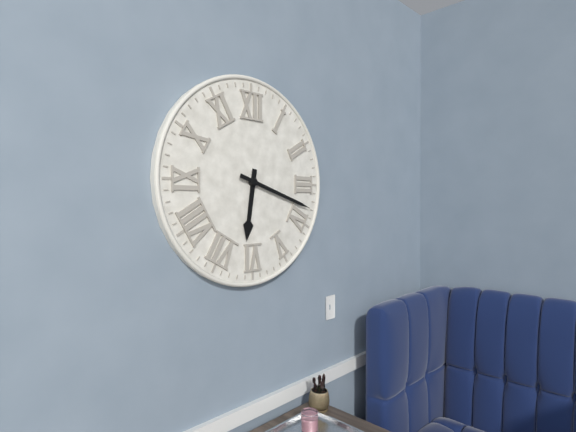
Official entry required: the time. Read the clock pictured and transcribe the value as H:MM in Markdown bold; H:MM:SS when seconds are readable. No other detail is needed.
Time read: **6:18**
